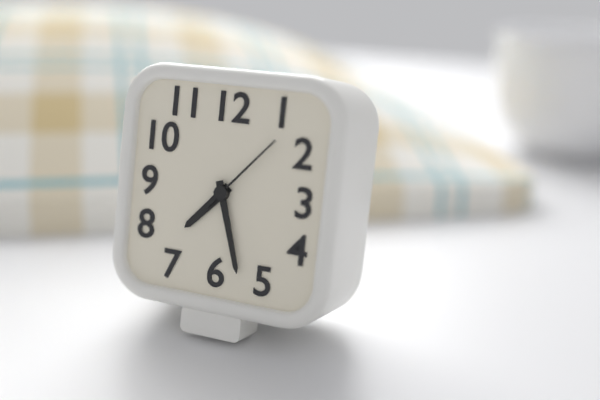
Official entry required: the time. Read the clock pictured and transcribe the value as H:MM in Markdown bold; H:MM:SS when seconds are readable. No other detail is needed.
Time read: **7:27:07**
